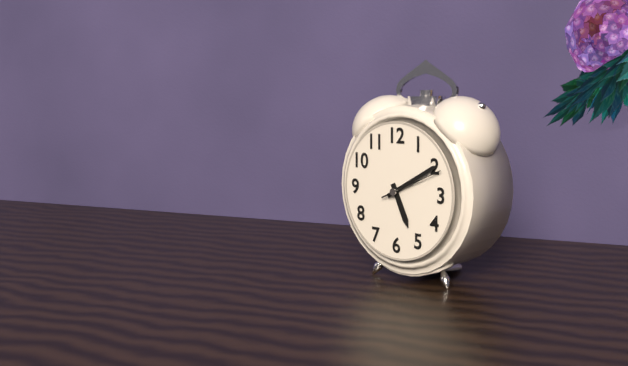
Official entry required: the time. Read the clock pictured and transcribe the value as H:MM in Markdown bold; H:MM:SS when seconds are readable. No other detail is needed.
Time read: **5:10:11**
